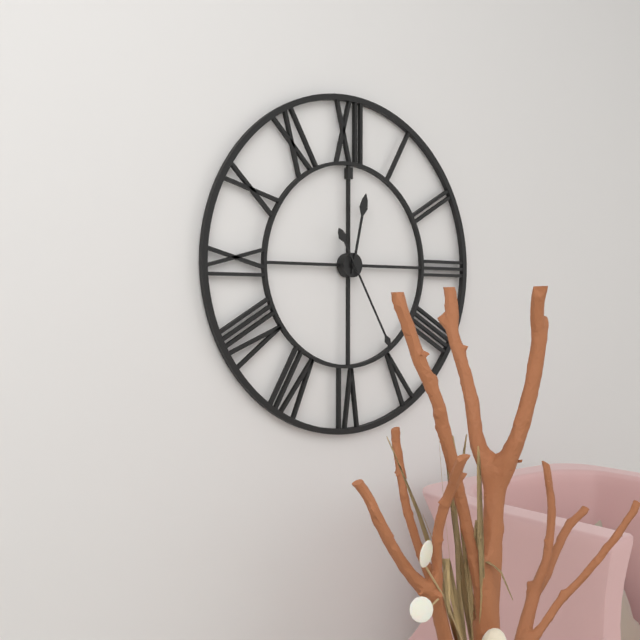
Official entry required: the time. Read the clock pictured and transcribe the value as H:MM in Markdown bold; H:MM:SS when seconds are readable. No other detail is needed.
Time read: **12:25**
